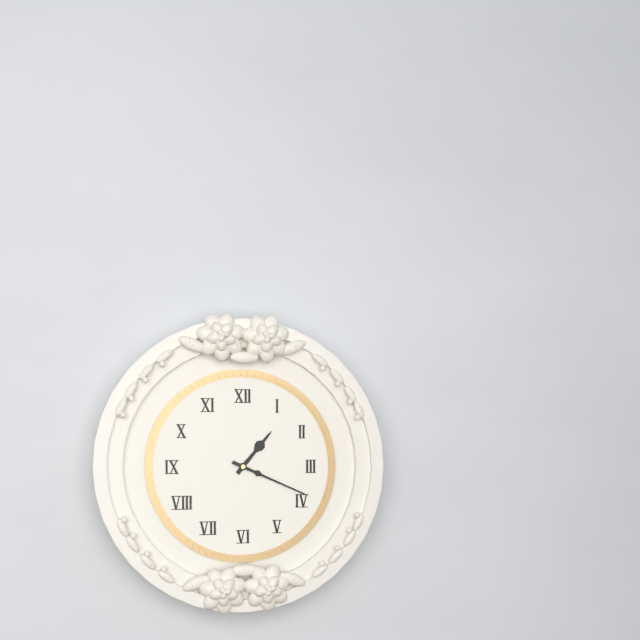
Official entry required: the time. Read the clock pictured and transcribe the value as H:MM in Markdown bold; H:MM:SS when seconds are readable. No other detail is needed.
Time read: **1:19**
